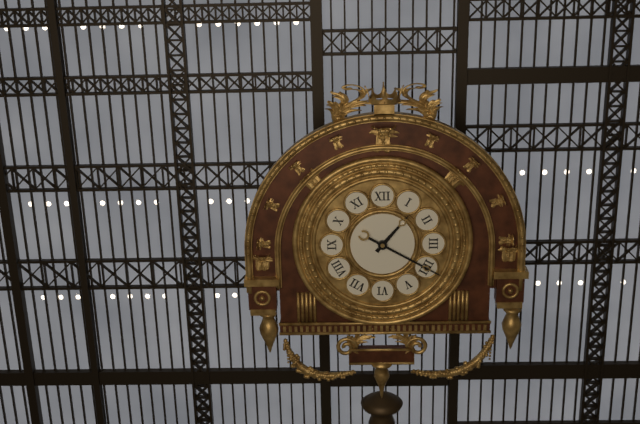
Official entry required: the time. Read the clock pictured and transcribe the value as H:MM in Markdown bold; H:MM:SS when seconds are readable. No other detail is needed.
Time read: **1:20**
